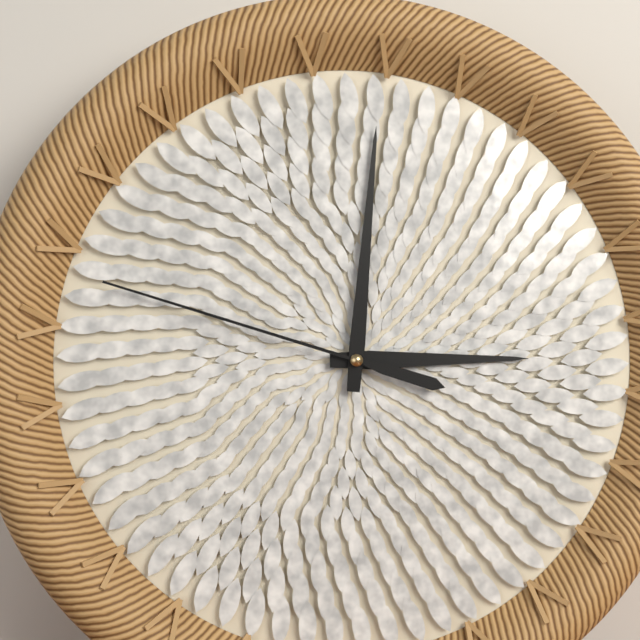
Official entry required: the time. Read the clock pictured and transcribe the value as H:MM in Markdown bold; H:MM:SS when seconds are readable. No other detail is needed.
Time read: **3:01:48**
